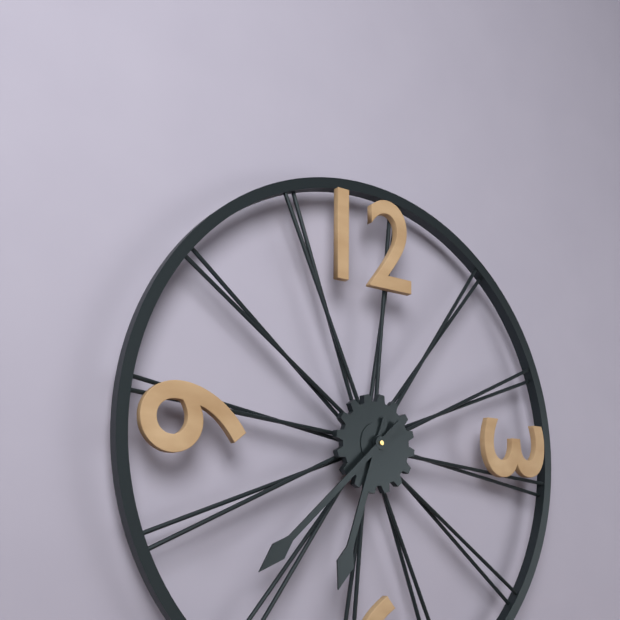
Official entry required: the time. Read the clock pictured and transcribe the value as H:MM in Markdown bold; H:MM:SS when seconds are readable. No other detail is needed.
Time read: **6:38**
